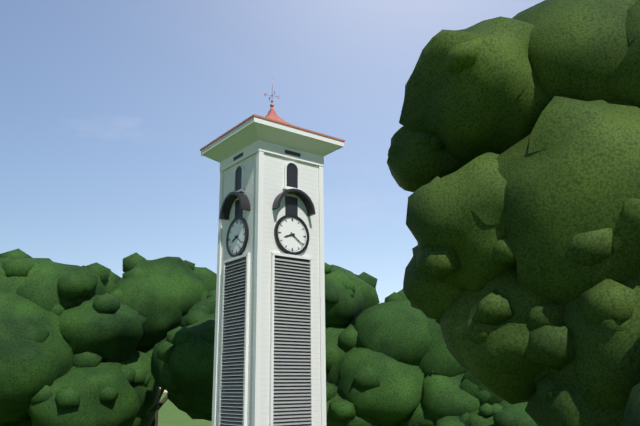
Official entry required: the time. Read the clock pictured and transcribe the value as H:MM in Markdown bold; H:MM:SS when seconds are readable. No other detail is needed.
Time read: **8:21**
